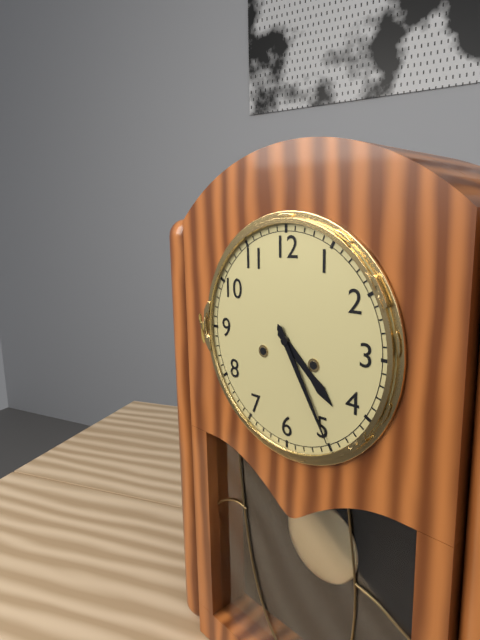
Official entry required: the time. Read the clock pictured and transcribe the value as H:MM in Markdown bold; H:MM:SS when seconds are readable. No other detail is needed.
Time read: **4:25**
